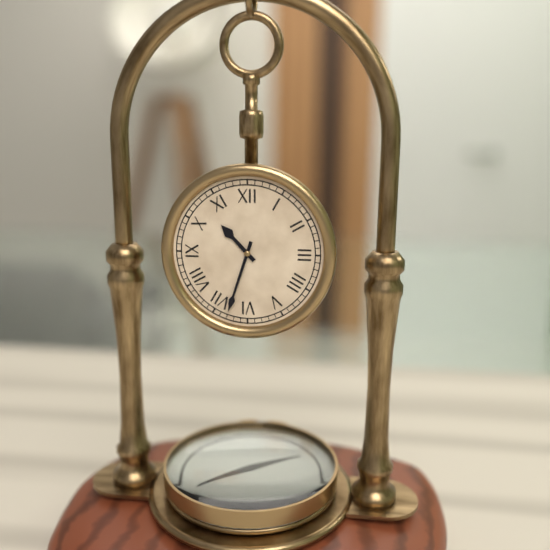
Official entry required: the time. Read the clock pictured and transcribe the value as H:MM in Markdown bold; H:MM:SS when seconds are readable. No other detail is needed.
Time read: **10:33**
